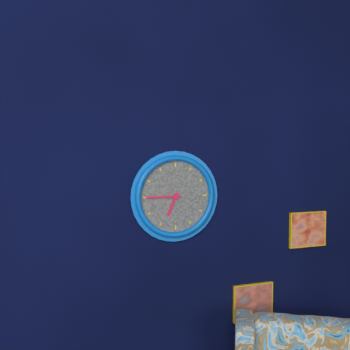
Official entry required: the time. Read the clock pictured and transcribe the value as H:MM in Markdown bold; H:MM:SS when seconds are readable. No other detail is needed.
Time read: **6:45**
